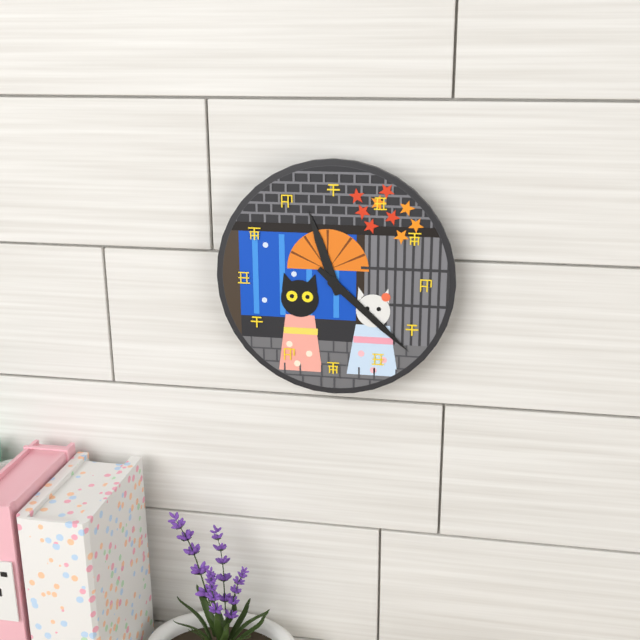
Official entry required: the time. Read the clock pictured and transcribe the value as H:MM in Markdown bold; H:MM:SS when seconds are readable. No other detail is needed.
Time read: **11:22**
